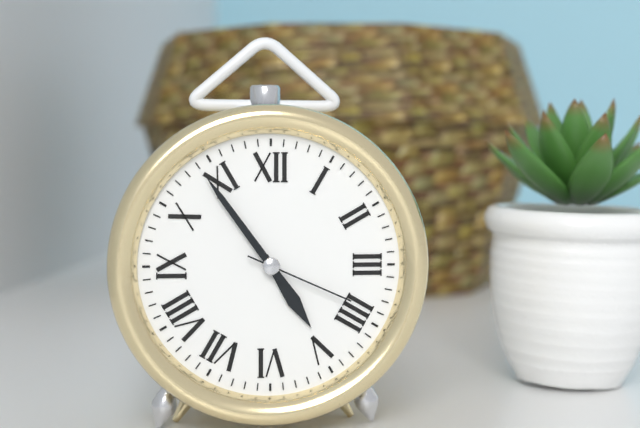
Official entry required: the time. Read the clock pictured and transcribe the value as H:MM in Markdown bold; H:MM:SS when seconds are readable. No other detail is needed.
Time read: **4:54:19**
